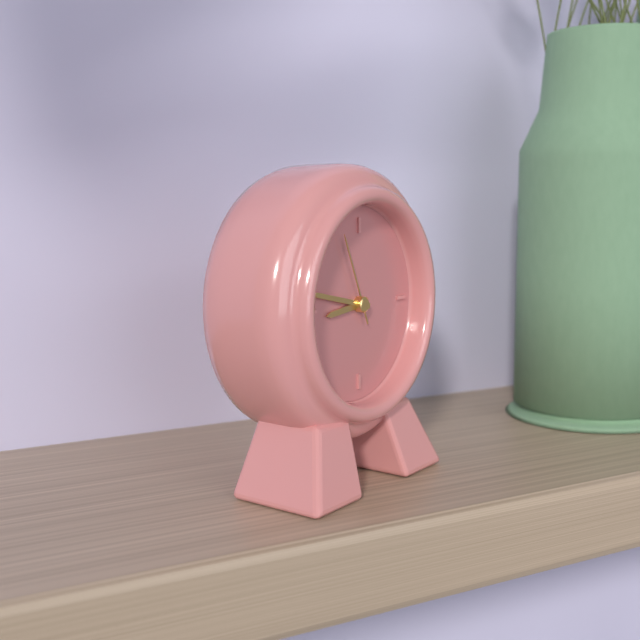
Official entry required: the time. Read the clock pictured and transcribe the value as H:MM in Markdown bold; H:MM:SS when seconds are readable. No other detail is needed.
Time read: **8:47:56**
